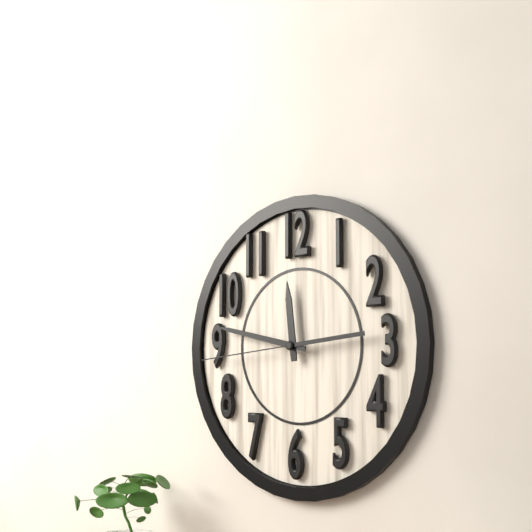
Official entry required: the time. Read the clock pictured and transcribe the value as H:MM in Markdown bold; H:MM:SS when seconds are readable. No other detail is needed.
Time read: **11:47:44**
